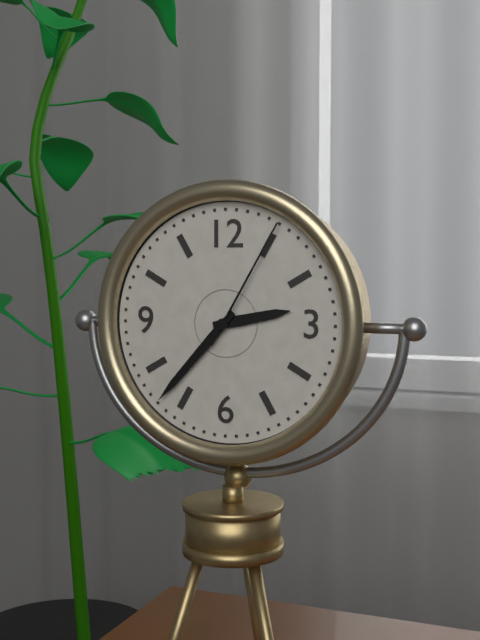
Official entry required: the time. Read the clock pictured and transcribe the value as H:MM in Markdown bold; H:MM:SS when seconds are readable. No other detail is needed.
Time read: **2:37:05**
